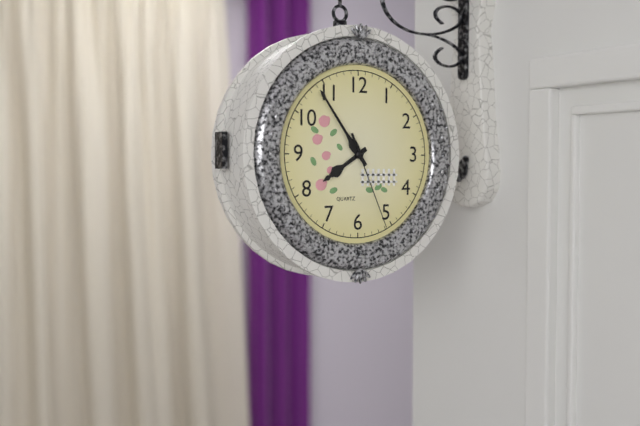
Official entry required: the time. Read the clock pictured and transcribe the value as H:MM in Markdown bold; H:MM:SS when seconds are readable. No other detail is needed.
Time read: **7:54:26**
